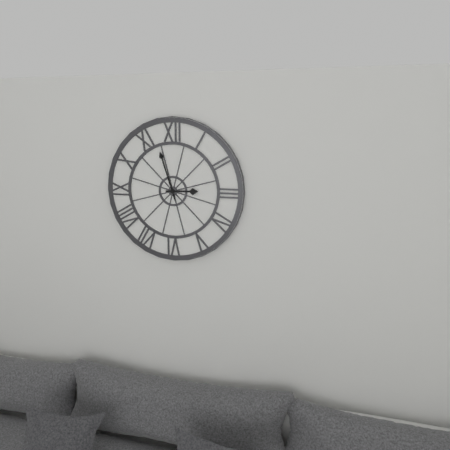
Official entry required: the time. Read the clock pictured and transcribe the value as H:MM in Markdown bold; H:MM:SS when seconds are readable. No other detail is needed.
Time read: **2:57**
